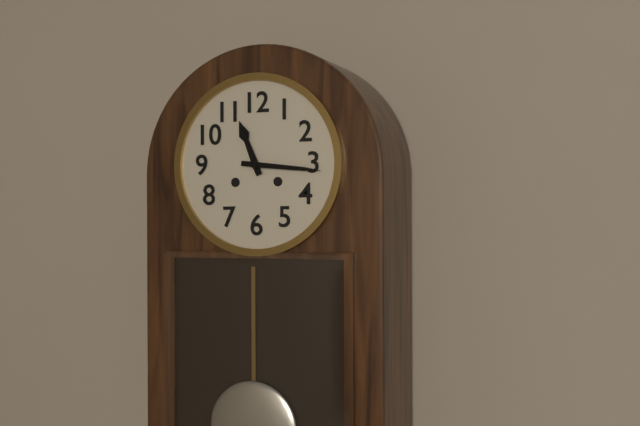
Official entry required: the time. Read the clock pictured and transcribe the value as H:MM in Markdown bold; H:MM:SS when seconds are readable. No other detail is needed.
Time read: **11:16**
